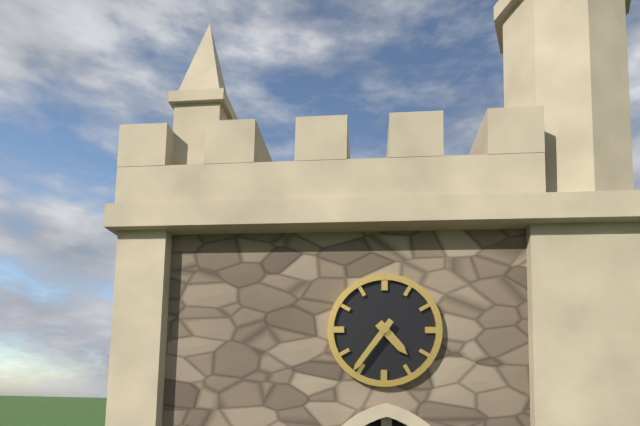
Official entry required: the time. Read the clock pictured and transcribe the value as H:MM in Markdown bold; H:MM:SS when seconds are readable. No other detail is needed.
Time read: **4:36**
